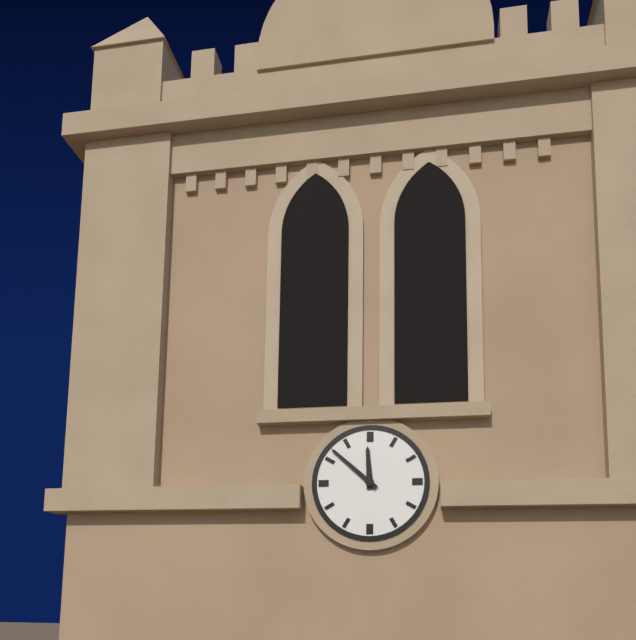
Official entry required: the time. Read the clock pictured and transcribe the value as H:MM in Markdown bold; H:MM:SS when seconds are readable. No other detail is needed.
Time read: **11:52**
